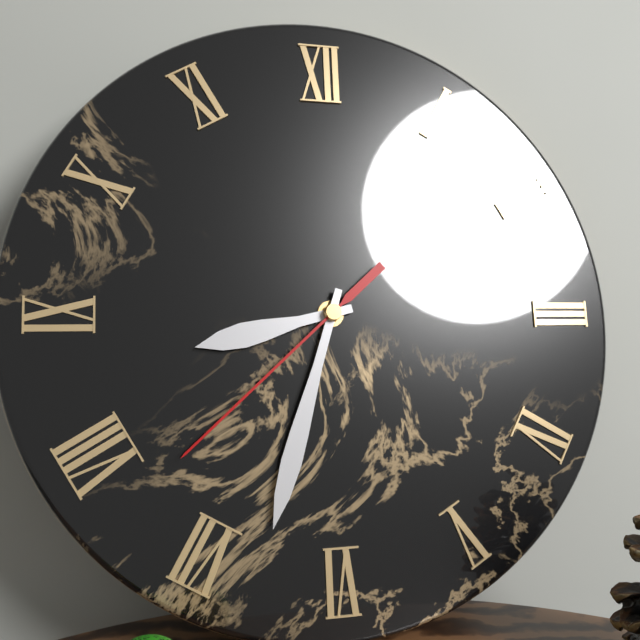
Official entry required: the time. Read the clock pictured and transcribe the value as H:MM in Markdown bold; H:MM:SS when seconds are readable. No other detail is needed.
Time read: **8:33:38**
